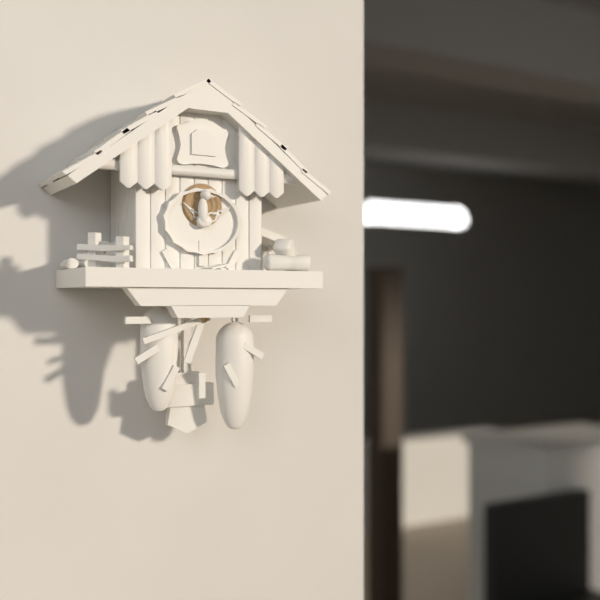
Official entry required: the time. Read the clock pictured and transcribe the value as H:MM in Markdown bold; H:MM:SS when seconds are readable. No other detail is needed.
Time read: **6:42**
